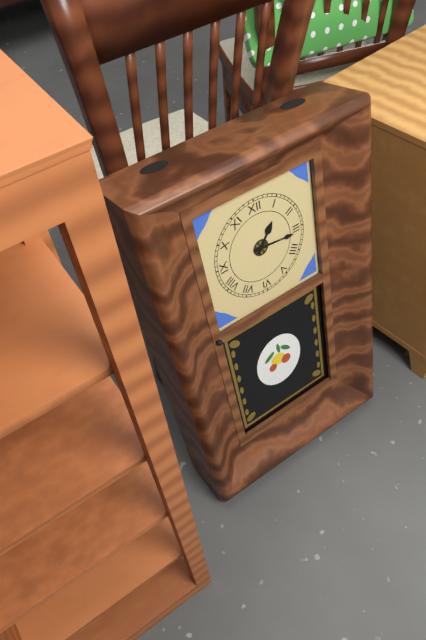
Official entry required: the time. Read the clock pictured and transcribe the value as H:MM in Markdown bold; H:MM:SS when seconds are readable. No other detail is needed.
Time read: **1:16**
